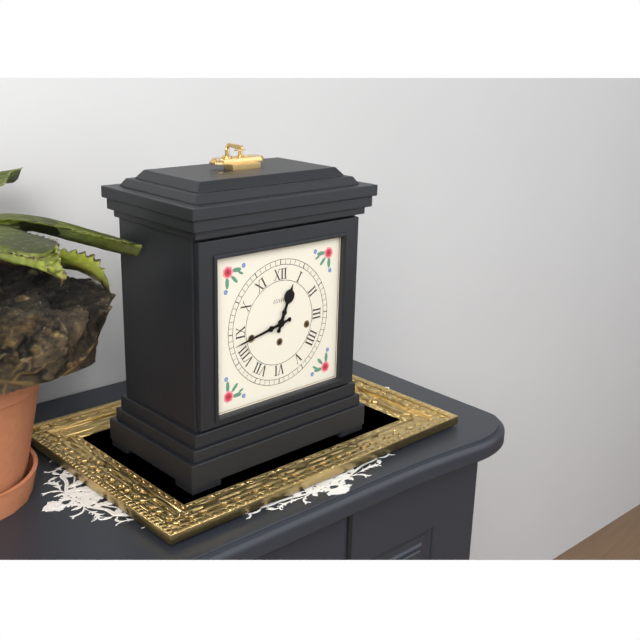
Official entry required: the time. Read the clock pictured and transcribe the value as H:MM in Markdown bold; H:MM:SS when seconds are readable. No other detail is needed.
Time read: **12:43**
